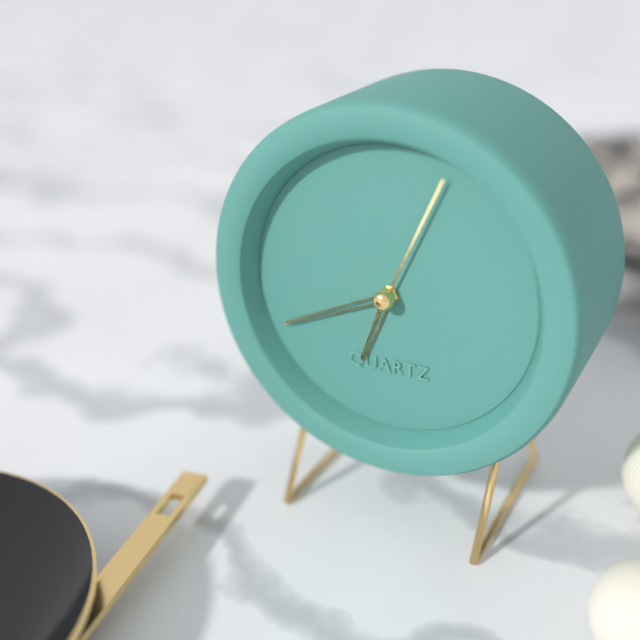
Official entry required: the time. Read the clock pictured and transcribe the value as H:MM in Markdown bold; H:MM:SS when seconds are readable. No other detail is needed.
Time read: **6:41:04**
